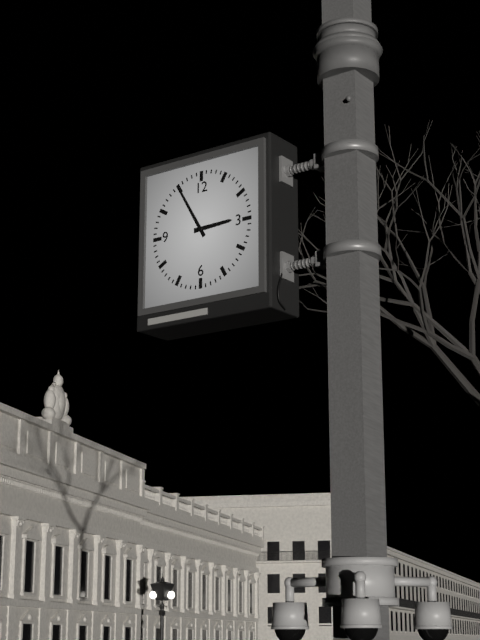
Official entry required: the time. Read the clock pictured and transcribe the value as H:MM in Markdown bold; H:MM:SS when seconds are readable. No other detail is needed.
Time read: **2:55**
